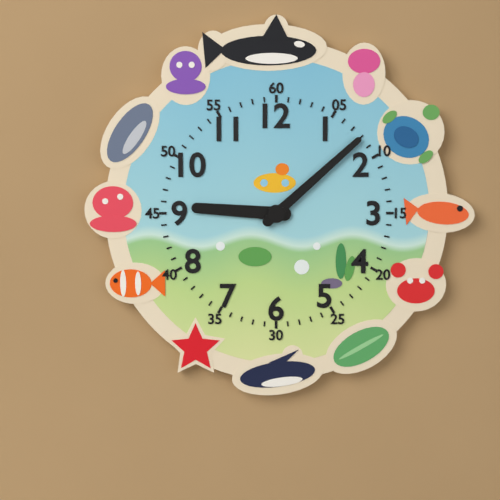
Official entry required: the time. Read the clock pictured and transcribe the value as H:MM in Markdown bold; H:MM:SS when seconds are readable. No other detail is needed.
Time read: **9:08**
